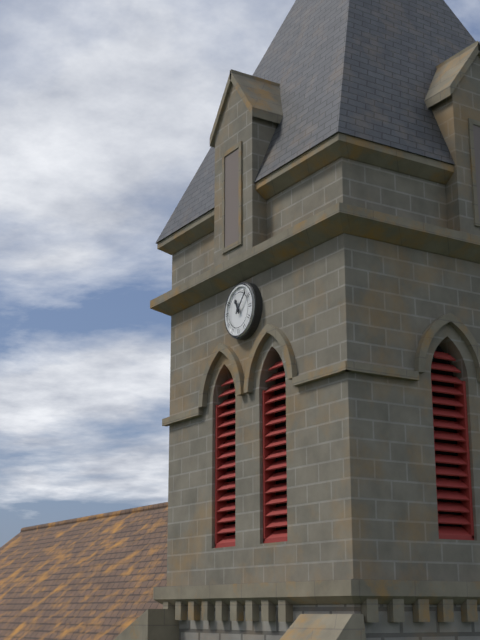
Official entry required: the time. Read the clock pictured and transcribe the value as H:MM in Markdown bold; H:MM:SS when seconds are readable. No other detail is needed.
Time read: **11:07**
